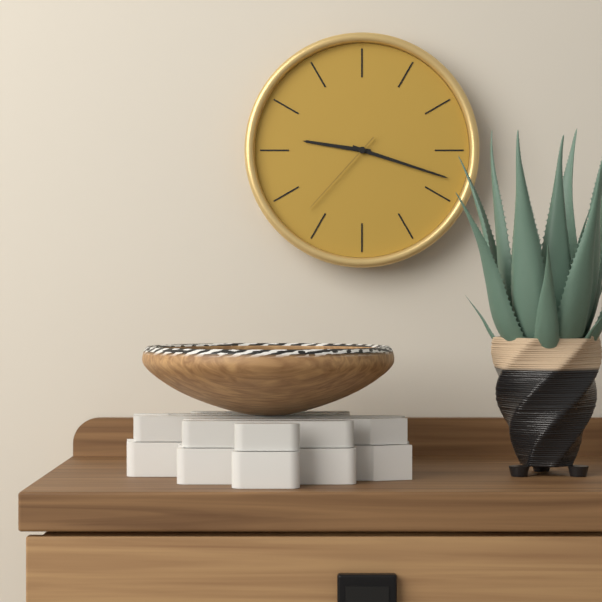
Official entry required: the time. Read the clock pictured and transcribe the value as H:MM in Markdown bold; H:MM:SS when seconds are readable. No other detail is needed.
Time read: **9:18:37**
